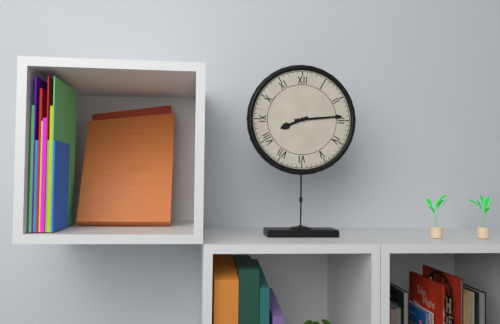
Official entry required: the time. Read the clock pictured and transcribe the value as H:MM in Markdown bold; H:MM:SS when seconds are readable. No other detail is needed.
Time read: **8:14**
